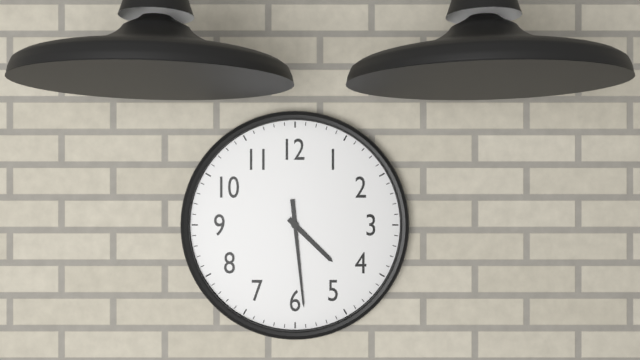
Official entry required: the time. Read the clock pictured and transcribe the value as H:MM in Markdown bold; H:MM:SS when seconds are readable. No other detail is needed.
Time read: **4:29**
